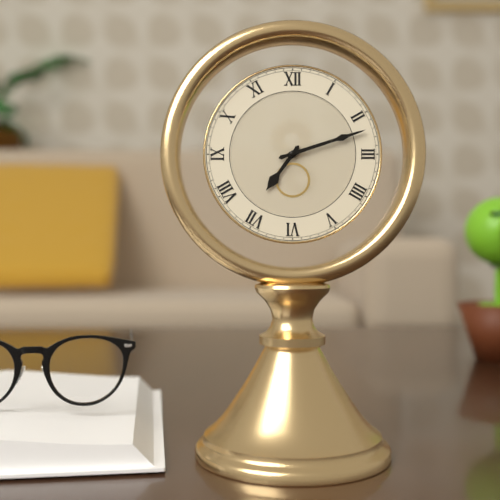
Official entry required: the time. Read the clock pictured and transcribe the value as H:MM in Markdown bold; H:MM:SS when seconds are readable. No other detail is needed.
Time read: **7:12**
